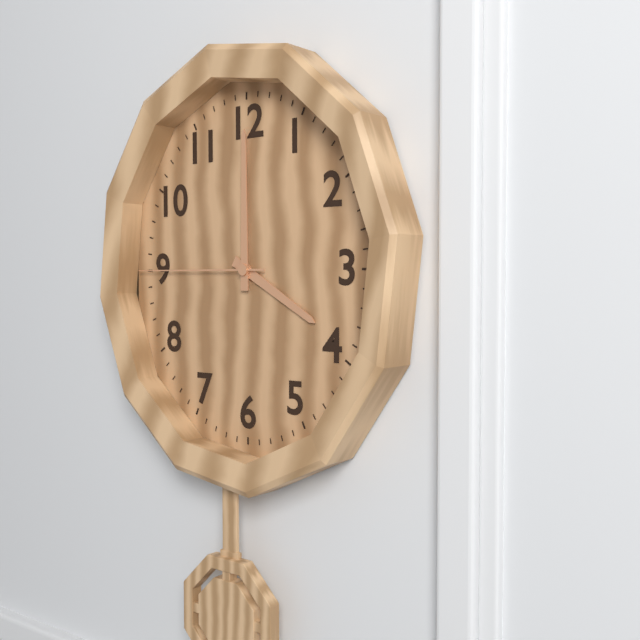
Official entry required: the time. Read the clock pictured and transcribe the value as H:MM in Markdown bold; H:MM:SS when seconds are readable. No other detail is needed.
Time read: **4:00:45**
